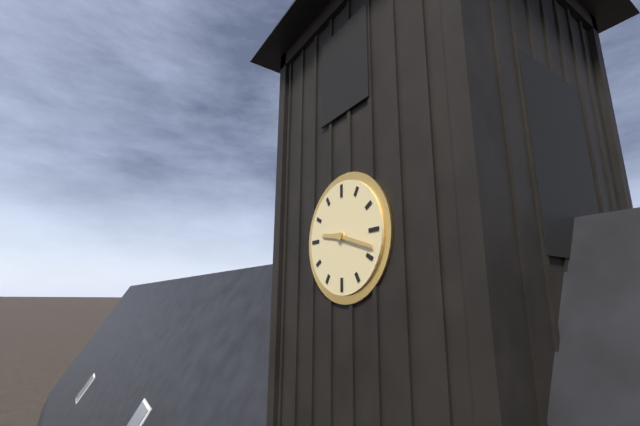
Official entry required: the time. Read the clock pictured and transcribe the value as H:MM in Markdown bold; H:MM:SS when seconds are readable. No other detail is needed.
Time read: **9:18**
